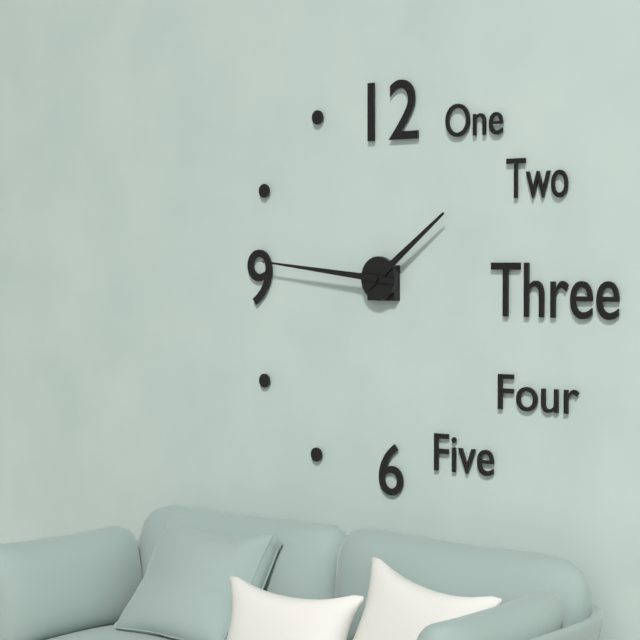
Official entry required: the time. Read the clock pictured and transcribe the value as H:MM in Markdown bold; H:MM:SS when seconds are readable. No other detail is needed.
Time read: **1:46**
